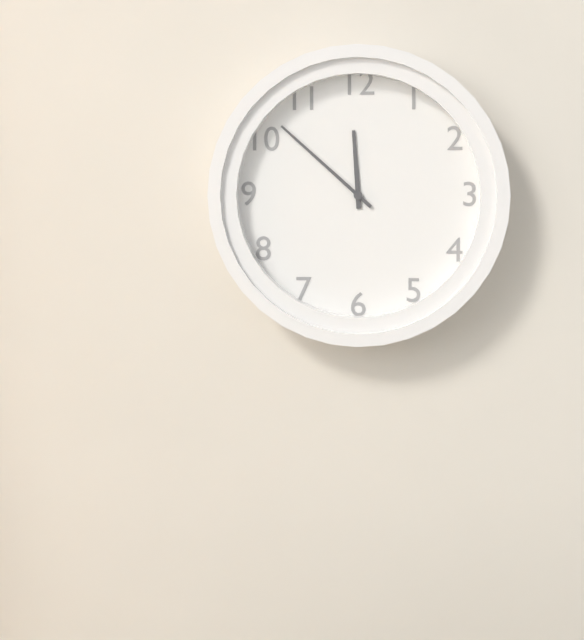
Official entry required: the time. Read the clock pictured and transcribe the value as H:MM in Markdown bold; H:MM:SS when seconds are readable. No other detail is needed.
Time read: **11:52**
